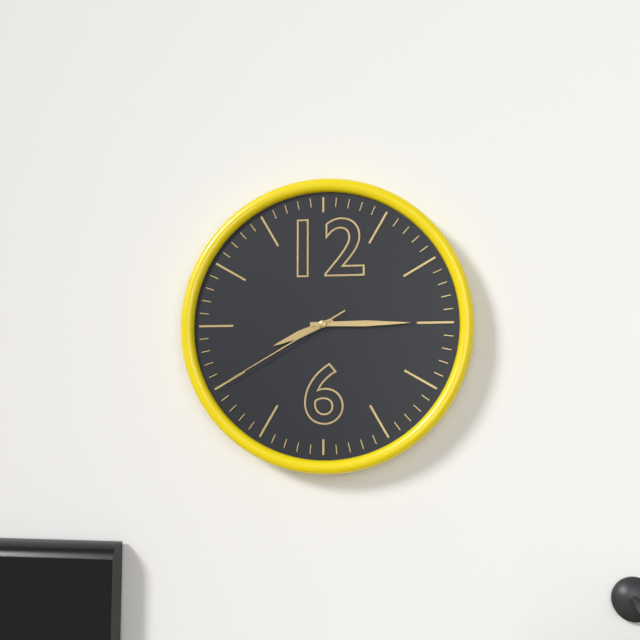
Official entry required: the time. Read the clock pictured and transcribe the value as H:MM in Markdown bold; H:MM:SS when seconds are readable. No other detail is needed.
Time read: **8:15:40**
